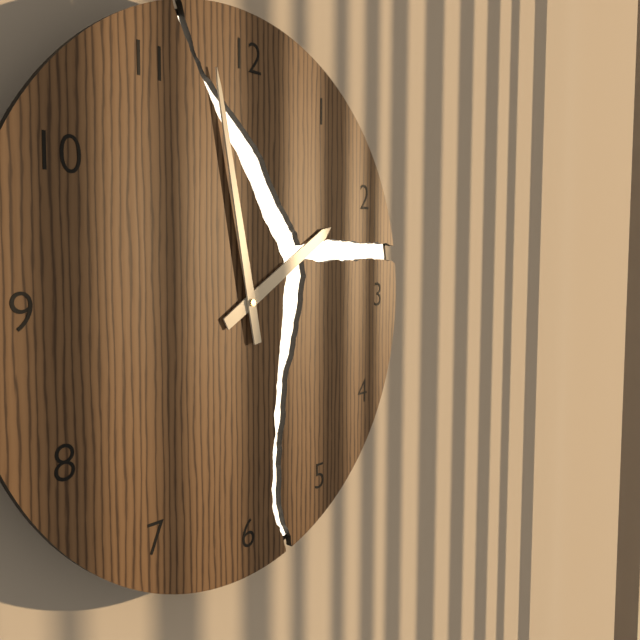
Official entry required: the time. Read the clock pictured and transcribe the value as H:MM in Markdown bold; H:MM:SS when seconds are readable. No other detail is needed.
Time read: **1:58**
